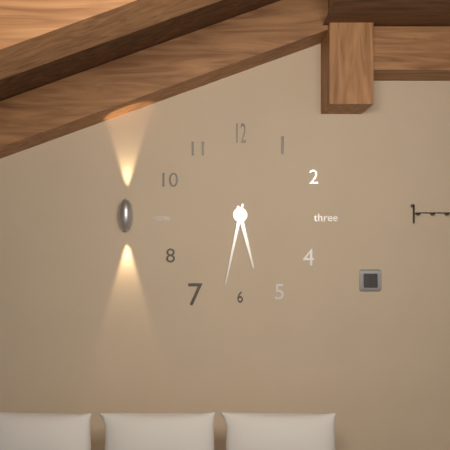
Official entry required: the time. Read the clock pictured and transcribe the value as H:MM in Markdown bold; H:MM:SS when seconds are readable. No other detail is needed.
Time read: **5:32**
